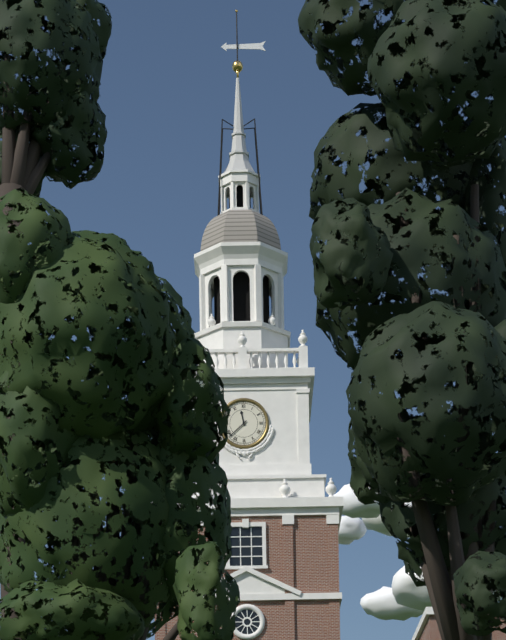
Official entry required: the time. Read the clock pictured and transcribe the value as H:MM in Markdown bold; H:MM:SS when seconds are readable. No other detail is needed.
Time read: **11:38**
